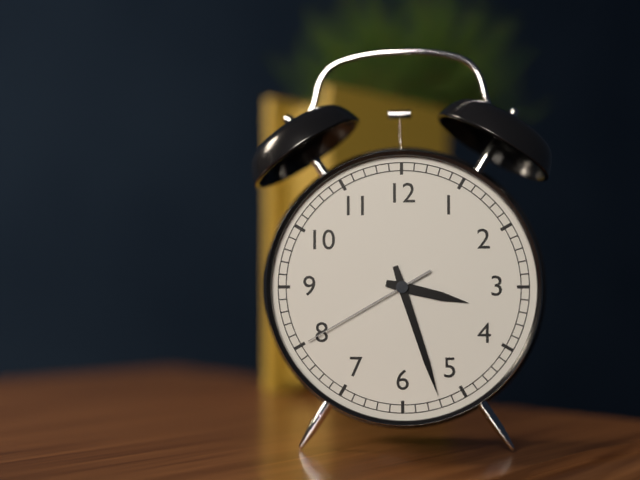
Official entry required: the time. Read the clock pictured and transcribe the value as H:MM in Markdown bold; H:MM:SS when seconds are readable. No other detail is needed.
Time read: **3:27:40**
